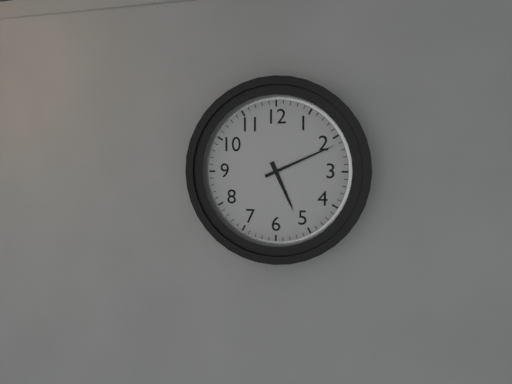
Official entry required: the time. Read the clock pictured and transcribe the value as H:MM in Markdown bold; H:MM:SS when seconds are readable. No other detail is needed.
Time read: **5:11**
